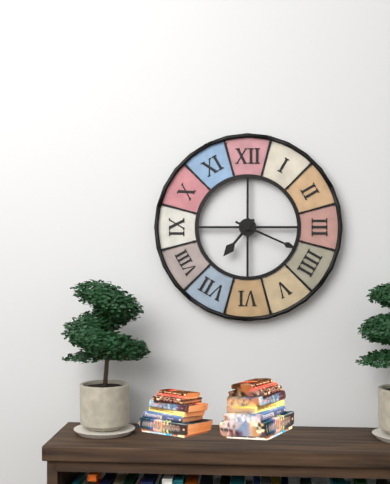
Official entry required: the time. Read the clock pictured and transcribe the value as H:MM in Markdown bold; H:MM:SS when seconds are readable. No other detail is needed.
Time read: **7:19**
